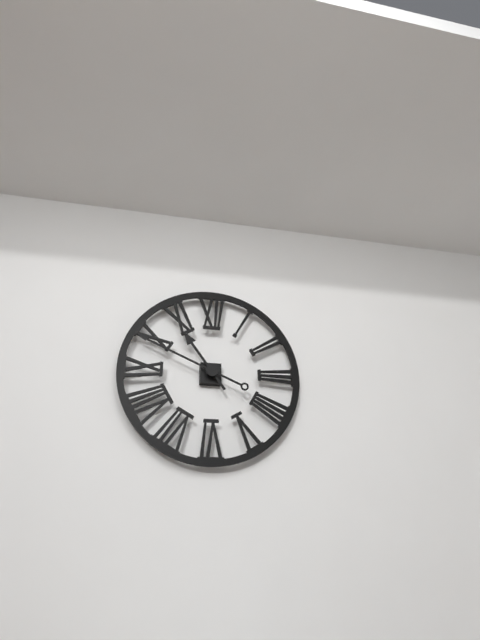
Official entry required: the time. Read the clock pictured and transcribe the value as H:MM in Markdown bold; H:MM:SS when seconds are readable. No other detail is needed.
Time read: **10:49**
